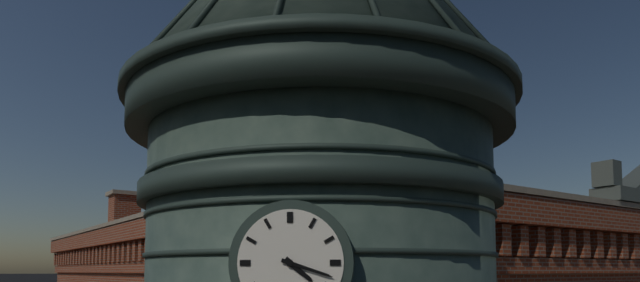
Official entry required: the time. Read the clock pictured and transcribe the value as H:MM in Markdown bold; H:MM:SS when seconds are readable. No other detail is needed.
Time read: **4:18**
